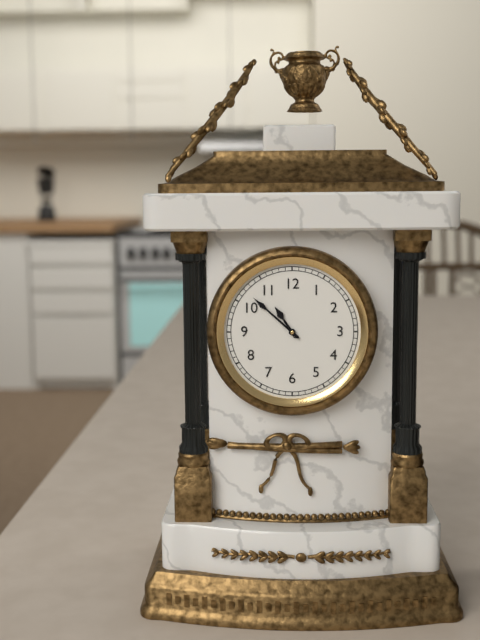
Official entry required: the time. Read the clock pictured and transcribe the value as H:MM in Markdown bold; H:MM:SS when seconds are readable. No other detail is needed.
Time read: **10:52**
